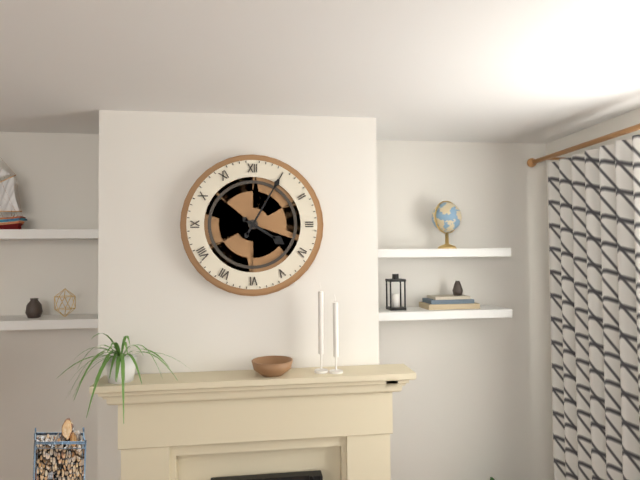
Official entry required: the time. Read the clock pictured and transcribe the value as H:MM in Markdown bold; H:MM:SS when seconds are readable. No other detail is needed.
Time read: **4:05**
